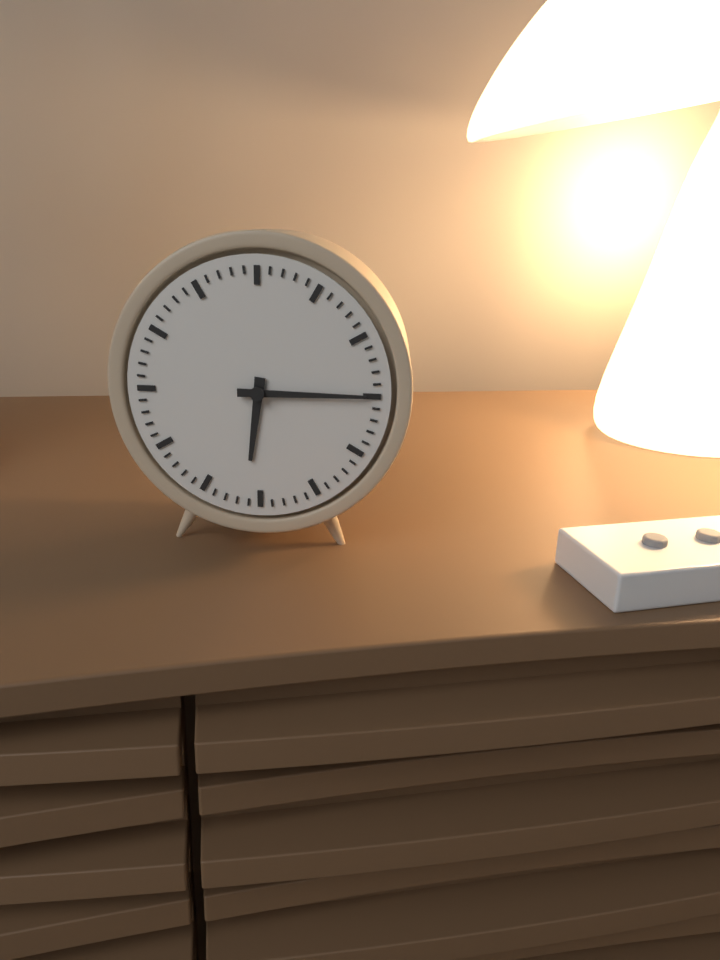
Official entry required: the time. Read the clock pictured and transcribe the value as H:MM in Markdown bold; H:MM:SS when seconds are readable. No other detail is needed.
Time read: **6:15**
